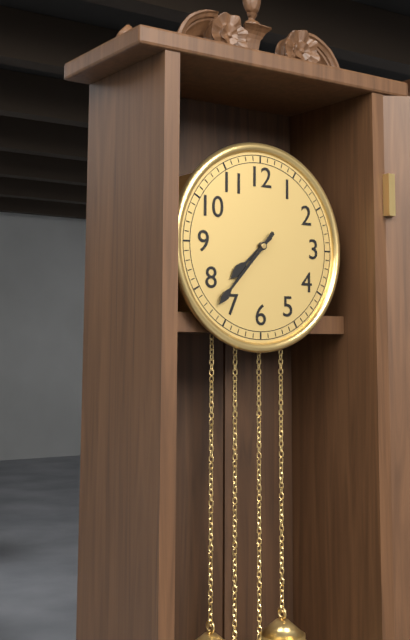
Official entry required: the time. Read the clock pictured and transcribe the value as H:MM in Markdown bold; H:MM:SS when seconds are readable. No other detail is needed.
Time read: **7:37**
